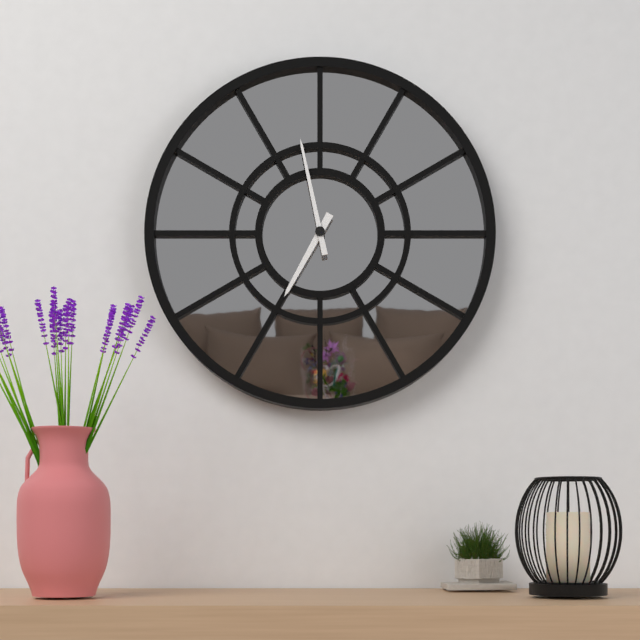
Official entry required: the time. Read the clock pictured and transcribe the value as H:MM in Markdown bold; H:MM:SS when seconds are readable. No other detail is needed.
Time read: **6:58**
